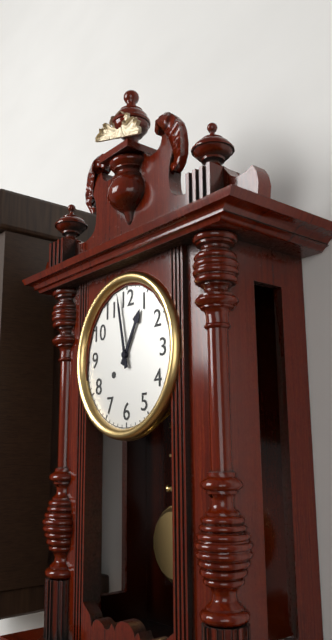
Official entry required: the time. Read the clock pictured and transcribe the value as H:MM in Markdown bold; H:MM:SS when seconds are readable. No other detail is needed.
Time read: **12:58**
